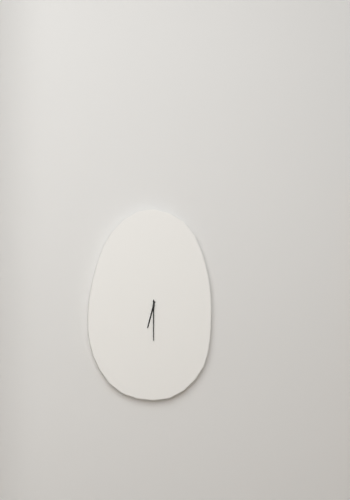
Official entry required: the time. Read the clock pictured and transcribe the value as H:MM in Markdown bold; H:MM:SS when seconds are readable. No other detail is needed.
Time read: **6:30**
